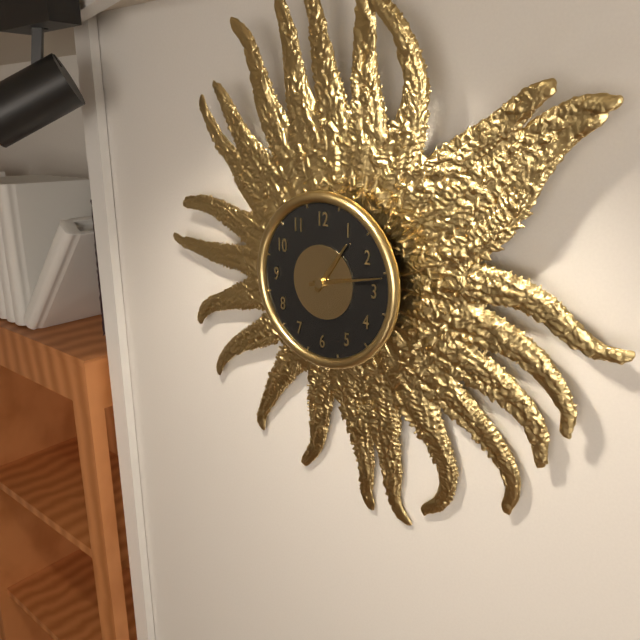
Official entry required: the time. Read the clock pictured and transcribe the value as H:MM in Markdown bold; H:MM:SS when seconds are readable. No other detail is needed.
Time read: **1:13**
